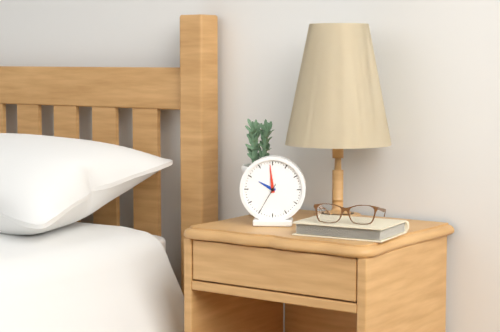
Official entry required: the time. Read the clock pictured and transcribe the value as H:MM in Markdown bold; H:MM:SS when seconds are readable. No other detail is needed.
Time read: **9:59**
